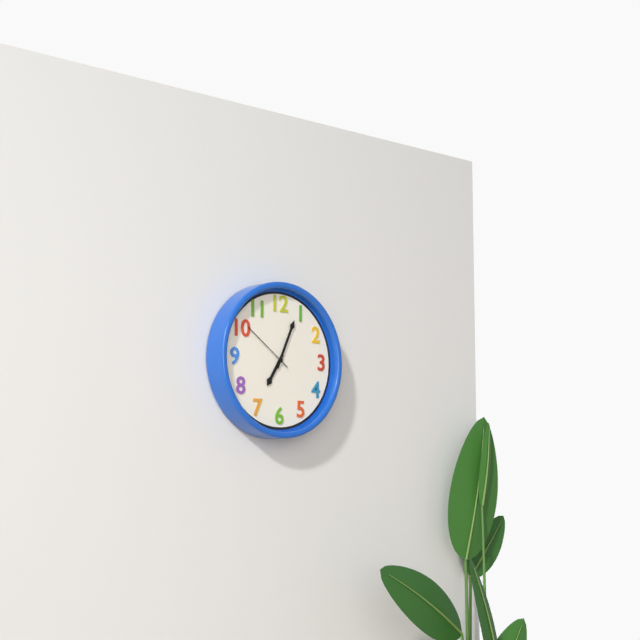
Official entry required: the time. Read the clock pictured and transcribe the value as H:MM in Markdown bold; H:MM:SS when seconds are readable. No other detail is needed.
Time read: **7:04:51**
